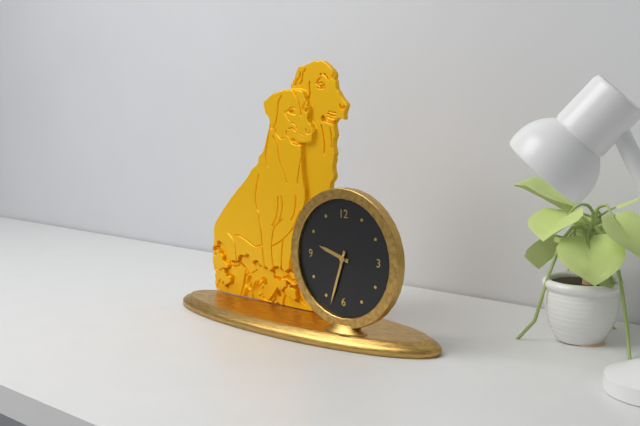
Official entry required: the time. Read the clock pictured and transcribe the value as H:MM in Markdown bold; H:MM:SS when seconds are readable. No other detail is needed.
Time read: **9:33**
